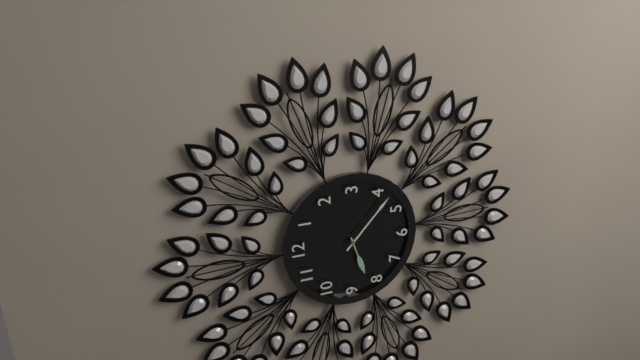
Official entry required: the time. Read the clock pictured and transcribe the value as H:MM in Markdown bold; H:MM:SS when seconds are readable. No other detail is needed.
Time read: **8:22**
